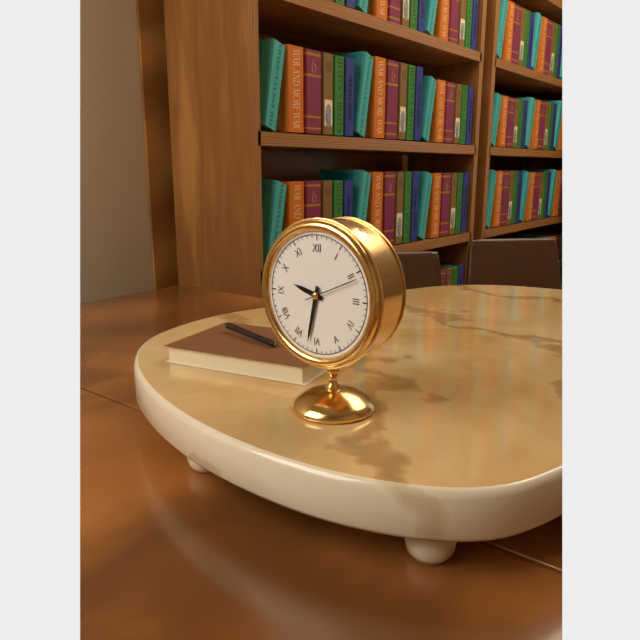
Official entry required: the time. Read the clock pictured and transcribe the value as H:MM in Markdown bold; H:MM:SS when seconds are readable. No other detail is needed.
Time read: **9:32:11**
